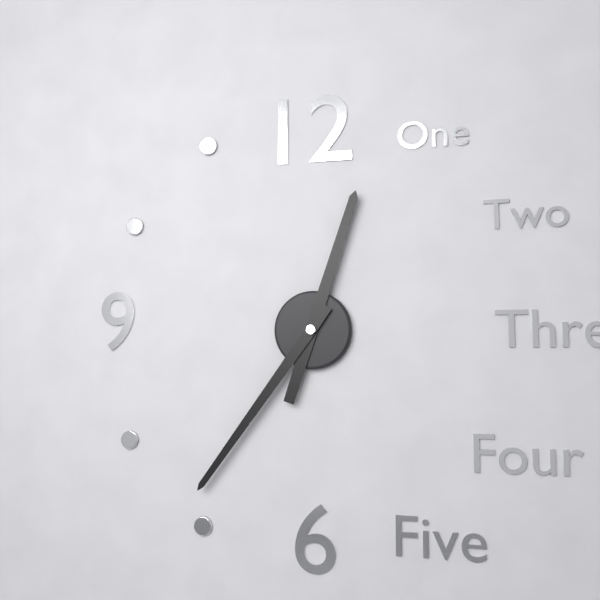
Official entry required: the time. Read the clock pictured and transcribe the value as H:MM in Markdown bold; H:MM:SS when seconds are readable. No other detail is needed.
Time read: **12:36**
